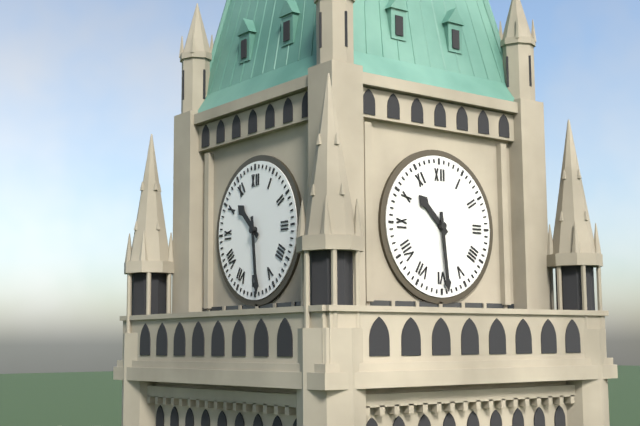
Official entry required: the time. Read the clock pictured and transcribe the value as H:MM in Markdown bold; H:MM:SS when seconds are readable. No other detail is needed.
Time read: **10:29**
